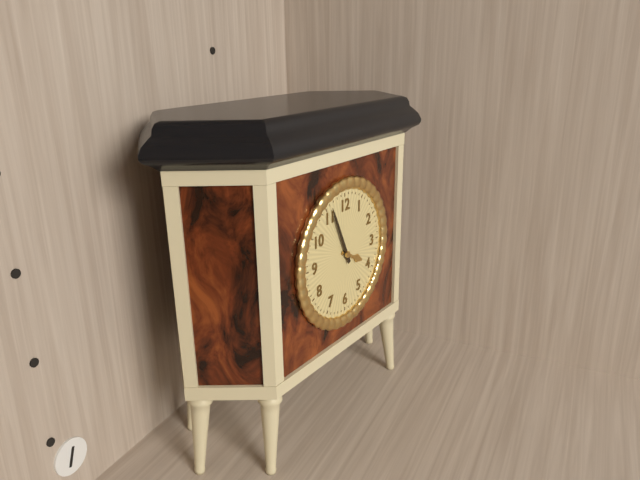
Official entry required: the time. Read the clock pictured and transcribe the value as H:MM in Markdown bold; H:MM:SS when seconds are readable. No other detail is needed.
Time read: **3:56**
